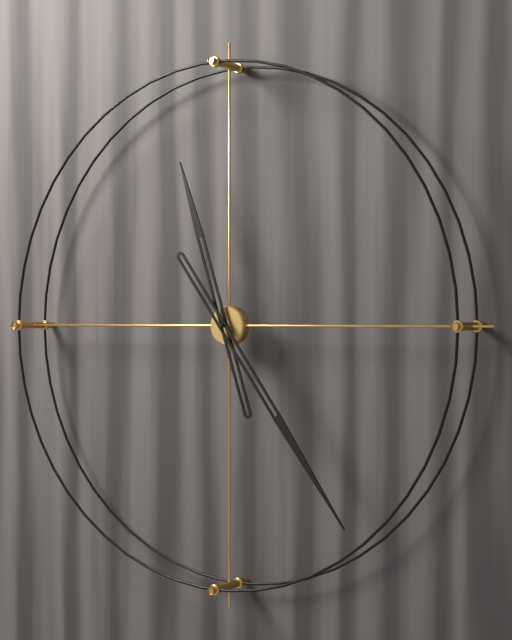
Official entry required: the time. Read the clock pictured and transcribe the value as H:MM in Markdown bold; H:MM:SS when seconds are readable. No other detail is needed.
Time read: **11:24**
